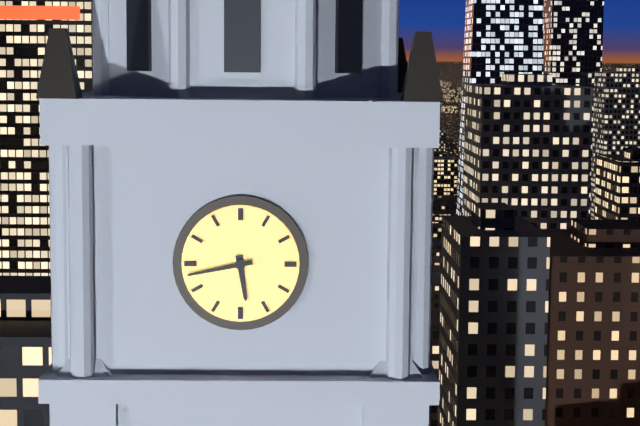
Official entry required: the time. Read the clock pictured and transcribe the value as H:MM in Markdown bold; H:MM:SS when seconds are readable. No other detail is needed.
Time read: **5:43**
